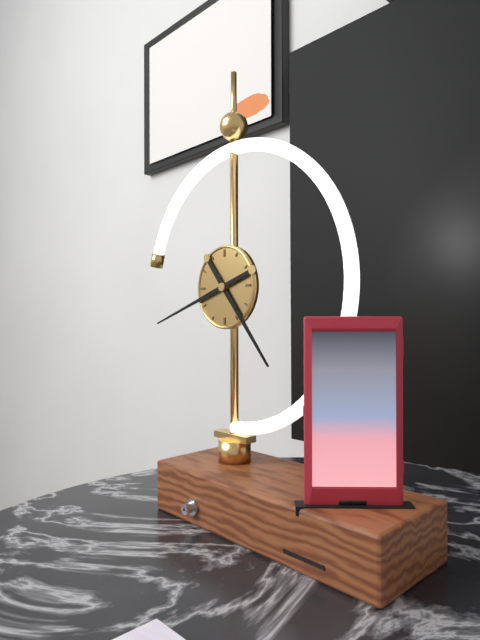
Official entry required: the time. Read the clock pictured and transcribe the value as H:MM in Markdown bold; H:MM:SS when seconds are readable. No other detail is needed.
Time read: **4:42**
